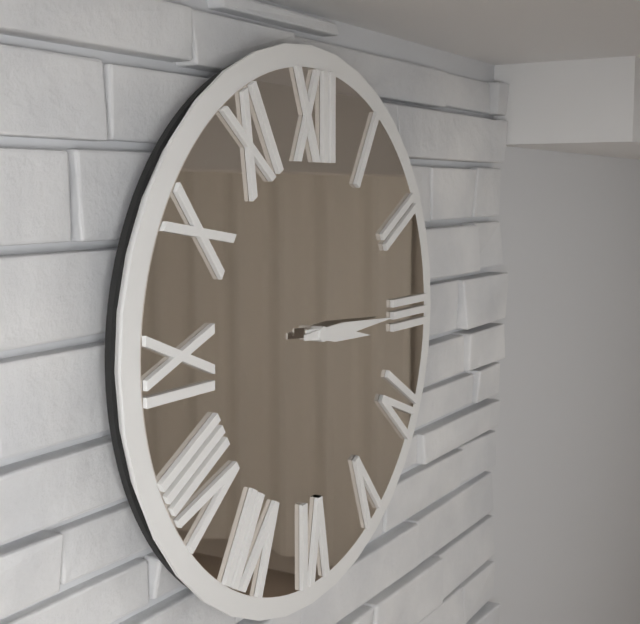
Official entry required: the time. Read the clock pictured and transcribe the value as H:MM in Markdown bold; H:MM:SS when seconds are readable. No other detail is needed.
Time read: **3:15**
